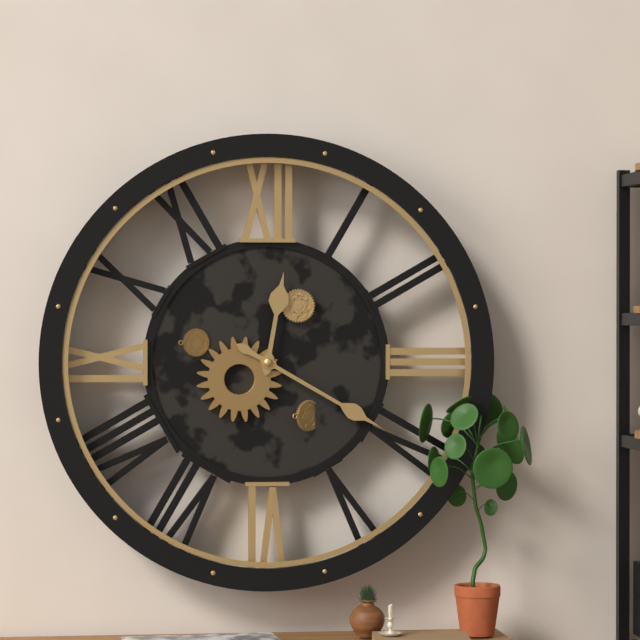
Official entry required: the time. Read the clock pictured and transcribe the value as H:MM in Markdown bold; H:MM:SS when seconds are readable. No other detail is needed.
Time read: **12:20**
